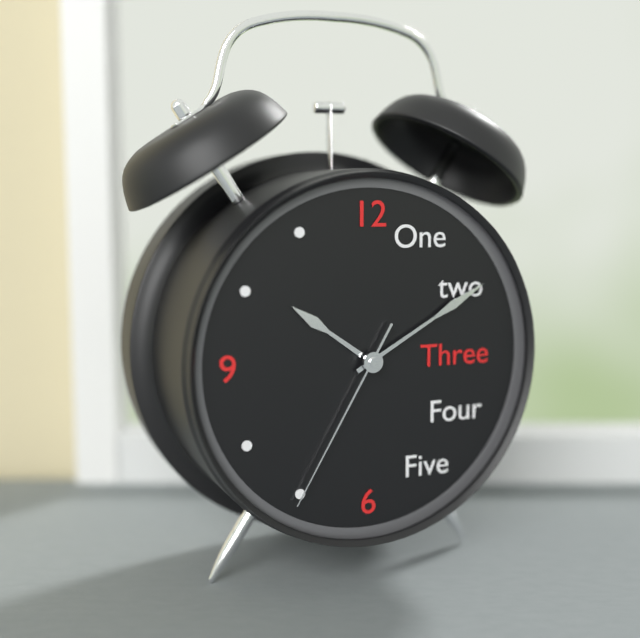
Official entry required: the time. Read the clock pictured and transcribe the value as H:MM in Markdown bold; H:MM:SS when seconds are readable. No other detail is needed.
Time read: **10:10:35**
